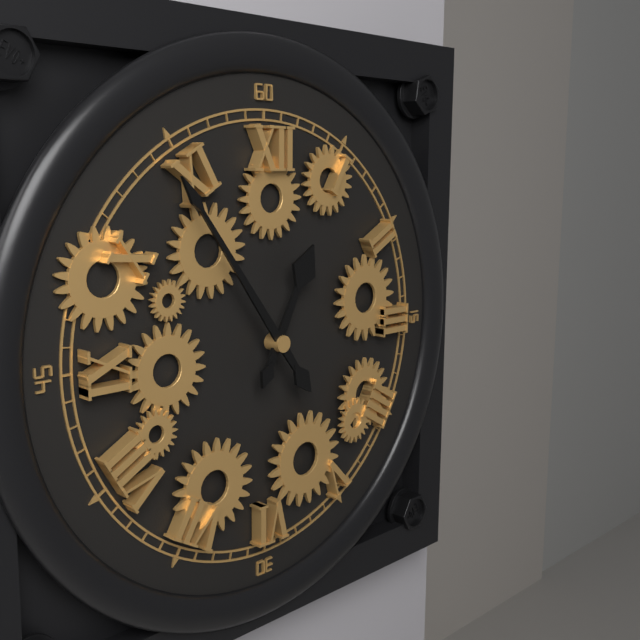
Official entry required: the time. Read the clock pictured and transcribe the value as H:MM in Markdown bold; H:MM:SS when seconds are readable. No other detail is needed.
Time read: **12:54**
